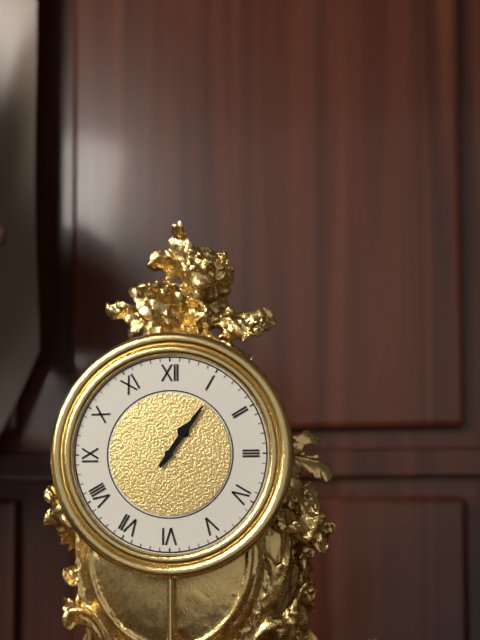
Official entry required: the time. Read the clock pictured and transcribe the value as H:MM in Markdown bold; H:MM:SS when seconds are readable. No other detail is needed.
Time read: **1:06**
